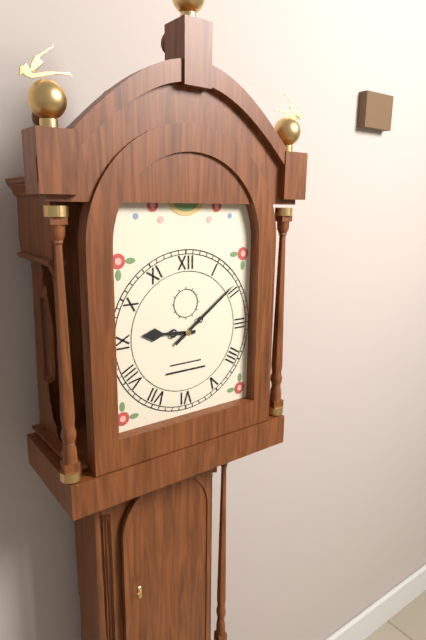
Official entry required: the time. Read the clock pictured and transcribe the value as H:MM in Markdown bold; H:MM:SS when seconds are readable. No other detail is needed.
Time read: **9:09**
